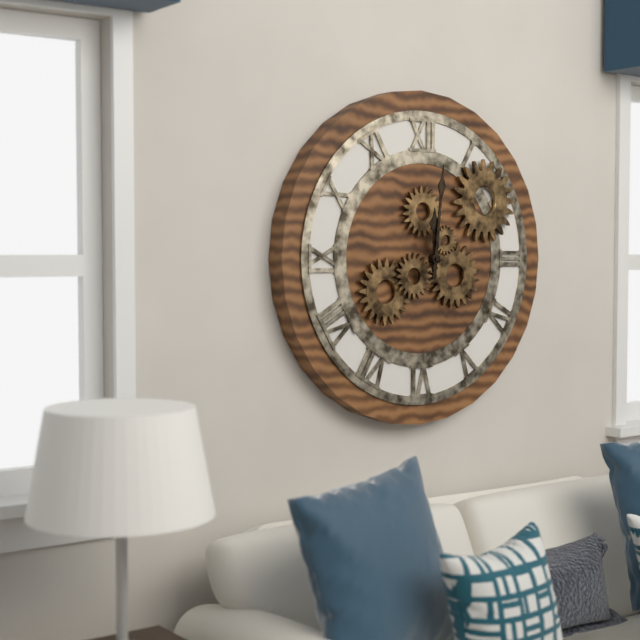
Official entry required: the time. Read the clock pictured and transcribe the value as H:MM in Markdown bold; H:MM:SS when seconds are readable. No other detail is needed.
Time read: **12:01**
